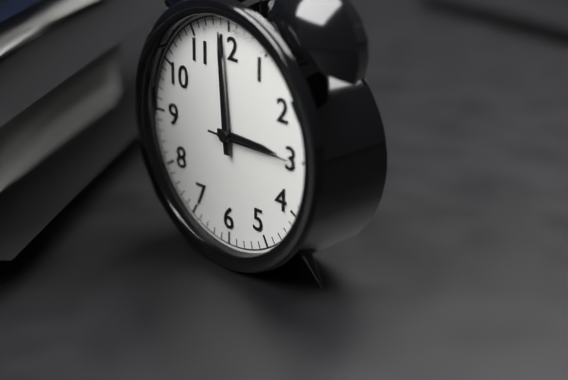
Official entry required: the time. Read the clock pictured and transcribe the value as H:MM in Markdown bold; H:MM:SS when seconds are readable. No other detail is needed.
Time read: **2:59:15**
